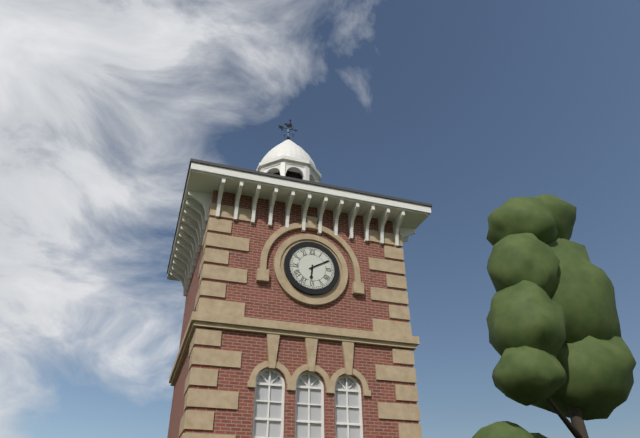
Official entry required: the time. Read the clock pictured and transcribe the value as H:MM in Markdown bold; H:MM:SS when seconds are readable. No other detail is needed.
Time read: **6:10**
